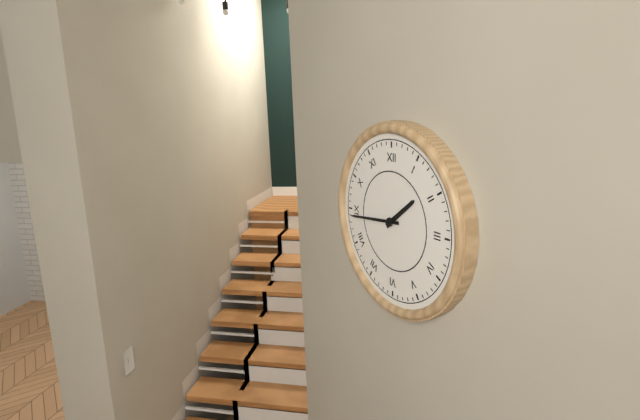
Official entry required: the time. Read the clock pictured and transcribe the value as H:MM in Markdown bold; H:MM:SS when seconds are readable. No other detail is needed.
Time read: **1:44**
